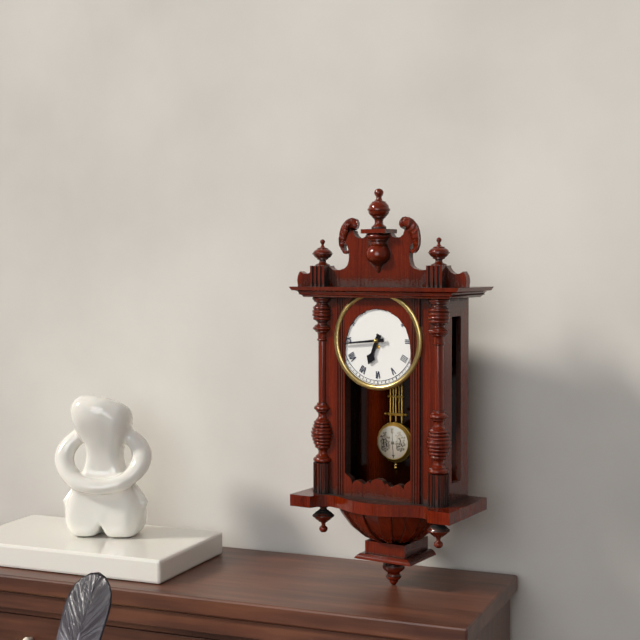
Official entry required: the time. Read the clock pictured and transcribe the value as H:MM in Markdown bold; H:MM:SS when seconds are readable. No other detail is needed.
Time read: **6:44**
